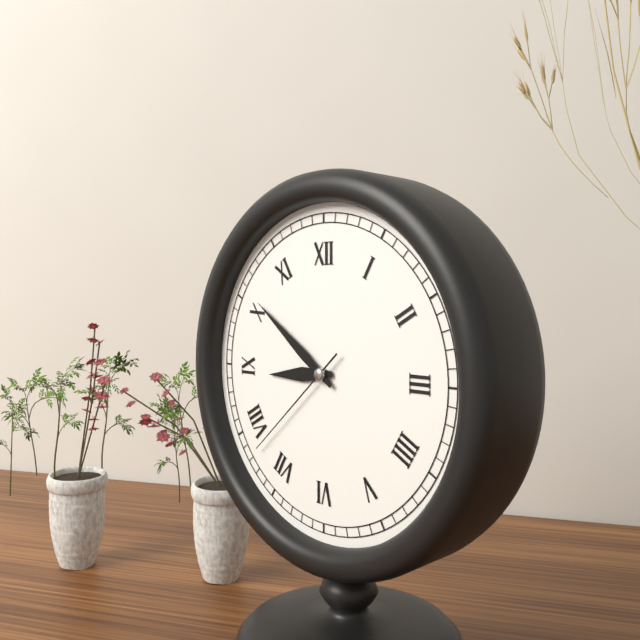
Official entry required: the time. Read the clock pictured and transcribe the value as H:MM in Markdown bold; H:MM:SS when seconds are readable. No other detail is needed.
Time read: **8:51:38**
